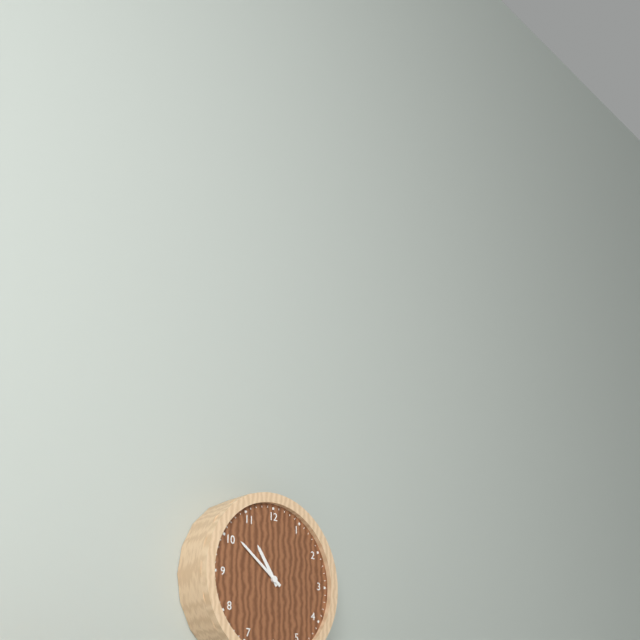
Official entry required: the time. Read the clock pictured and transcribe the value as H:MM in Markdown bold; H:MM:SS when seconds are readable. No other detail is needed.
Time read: **10:51**
